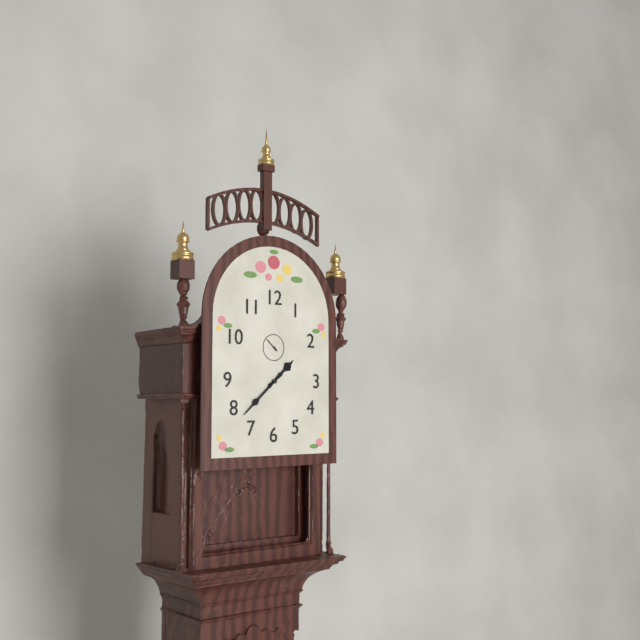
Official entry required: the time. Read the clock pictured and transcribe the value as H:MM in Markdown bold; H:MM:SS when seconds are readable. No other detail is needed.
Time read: **1:38**
